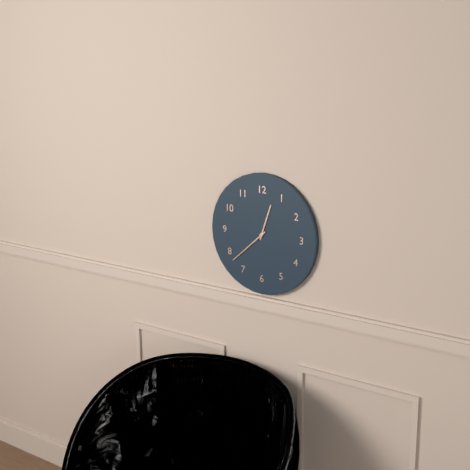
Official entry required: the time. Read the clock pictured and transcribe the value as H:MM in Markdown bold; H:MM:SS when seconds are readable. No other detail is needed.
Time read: **12:38**
